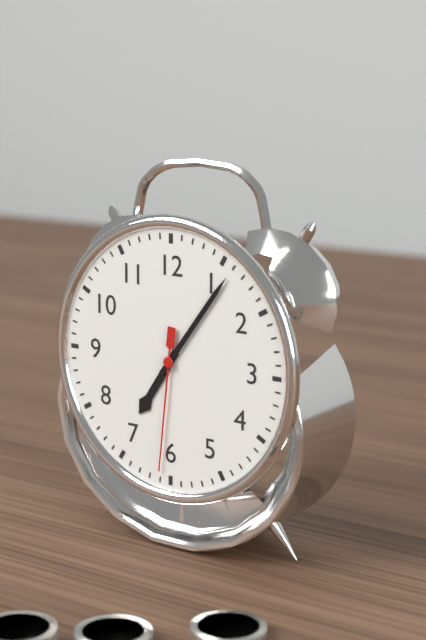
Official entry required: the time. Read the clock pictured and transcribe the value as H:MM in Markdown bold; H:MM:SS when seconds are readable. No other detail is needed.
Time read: **7:06:31**
